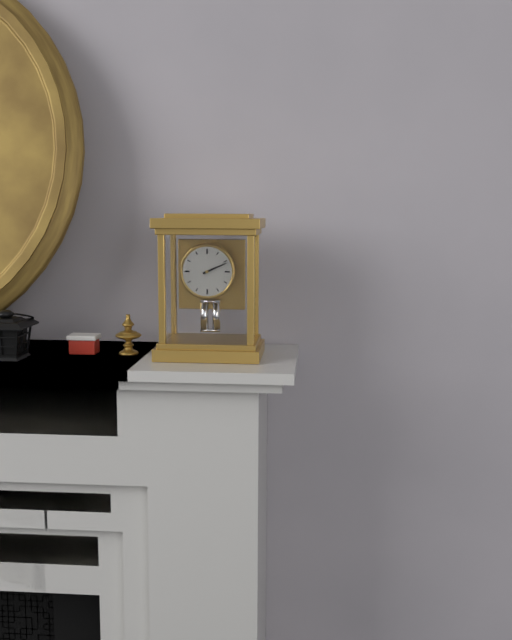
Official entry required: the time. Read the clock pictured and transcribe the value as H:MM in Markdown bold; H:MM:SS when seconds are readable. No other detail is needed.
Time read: **2:11**
